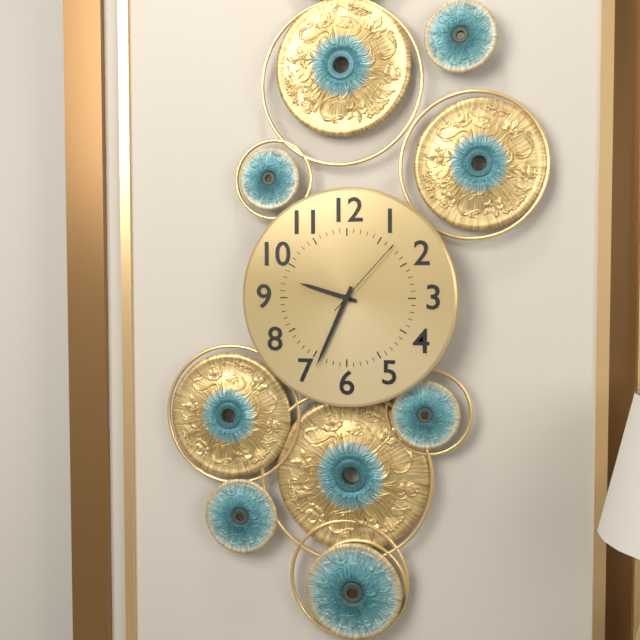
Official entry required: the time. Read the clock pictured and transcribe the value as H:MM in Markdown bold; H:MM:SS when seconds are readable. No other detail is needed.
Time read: **9:34:07**
